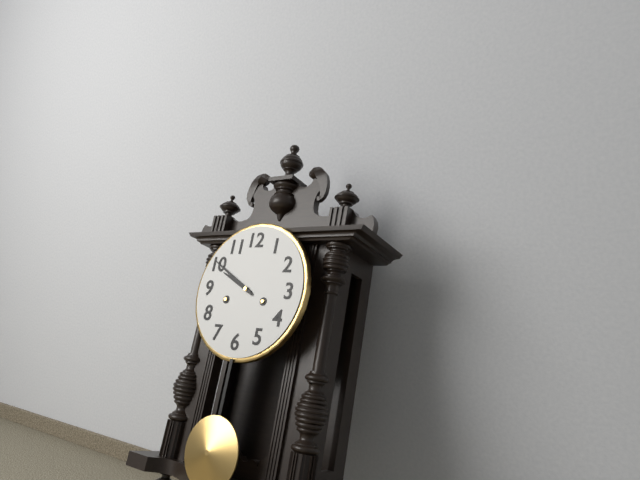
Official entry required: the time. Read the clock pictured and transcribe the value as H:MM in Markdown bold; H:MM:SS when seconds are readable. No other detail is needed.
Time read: **9:50**
